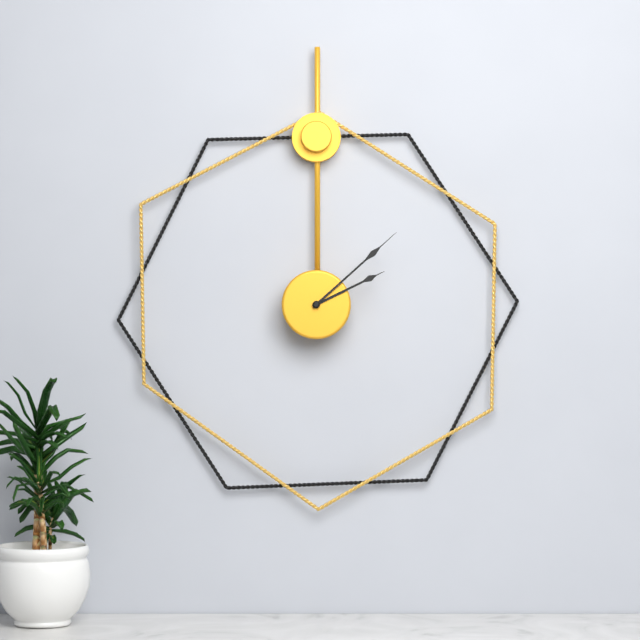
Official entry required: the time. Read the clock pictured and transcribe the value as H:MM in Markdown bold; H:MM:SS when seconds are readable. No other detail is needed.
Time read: **2:08**
